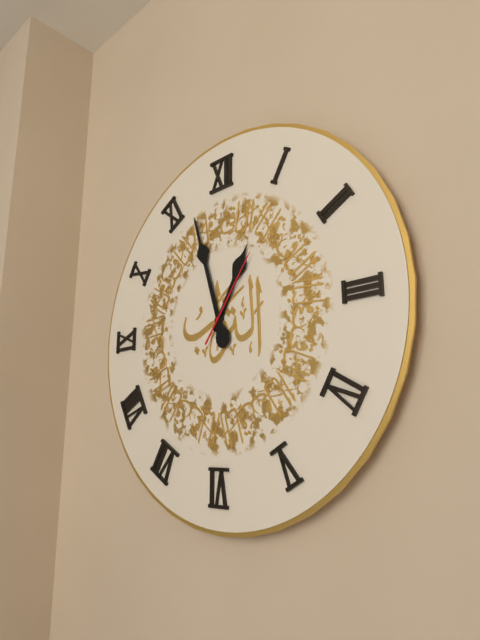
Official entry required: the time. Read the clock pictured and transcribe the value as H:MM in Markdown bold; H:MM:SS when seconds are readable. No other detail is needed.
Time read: **12:57:06**
